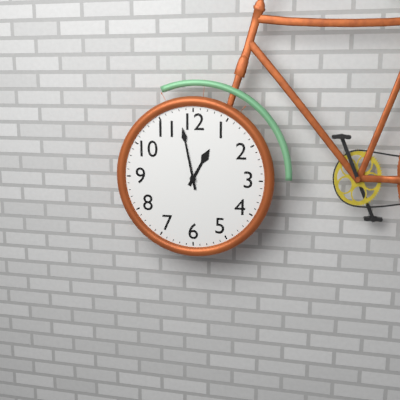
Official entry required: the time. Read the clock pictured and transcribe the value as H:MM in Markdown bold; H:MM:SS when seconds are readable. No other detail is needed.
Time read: **12:58**
